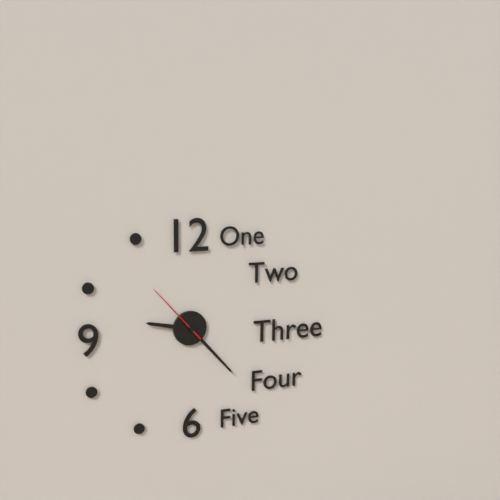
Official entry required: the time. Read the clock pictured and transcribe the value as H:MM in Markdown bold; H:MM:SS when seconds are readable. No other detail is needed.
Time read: **9:23:53**
